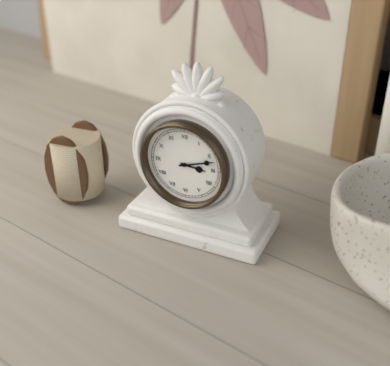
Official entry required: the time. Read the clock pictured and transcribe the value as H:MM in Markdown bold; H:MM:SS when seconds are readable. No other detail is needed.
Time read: **3:12**
